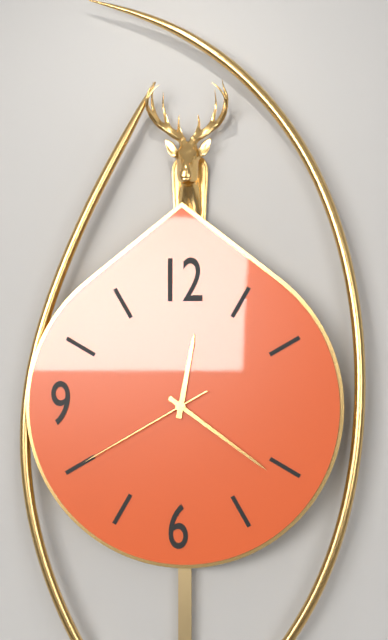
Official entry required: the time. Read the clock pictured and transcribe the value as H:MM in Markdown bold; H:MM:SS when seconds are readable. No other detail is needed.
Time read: **12:21:40**
